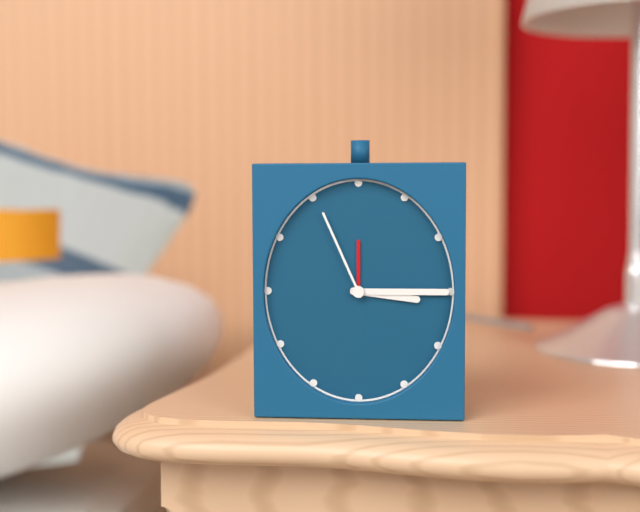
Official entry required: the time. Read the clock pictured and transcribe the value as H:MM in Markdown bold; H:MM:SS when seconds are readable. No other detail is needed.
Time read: **3:15:56**
